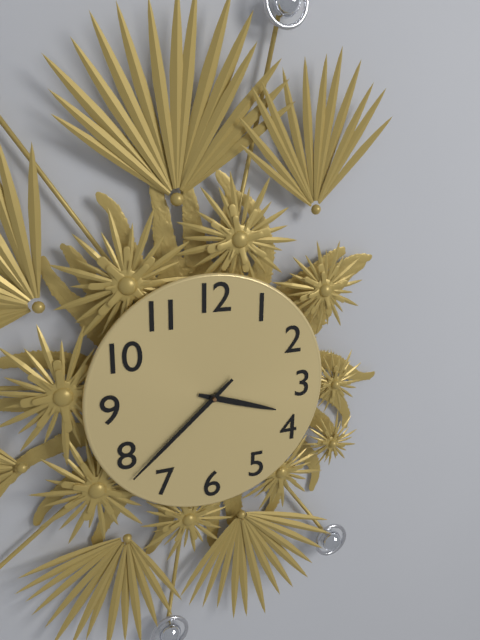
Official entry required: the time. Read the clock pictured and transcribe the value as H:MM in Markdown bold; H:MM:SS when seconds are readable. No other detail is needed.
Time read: **3:38**
